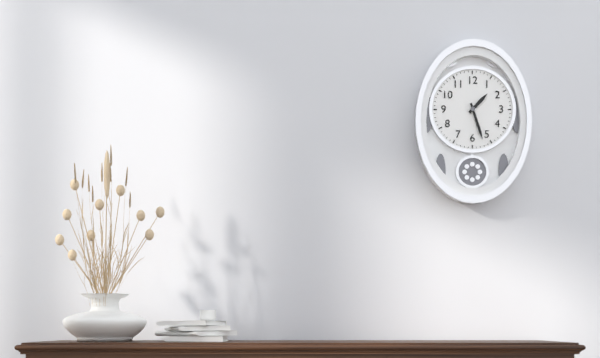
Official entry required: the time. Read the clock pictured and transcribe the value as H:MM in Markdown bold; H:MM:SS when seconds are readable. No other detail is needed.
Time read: **1:27**
